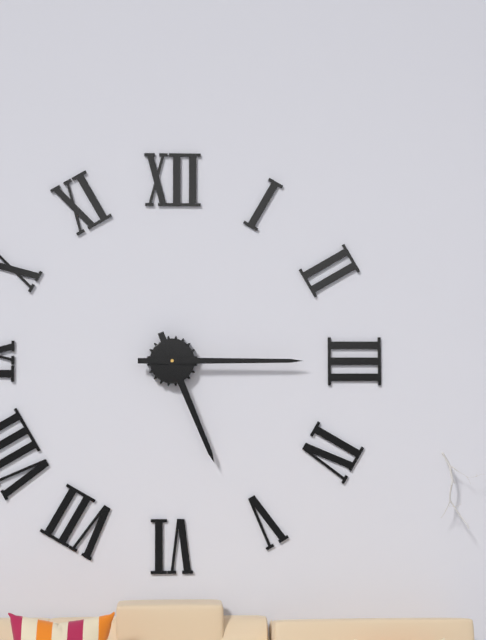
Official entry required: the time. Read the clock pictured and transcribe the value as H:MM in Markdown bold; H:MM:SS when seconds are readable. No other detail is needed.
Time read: **5:15**
